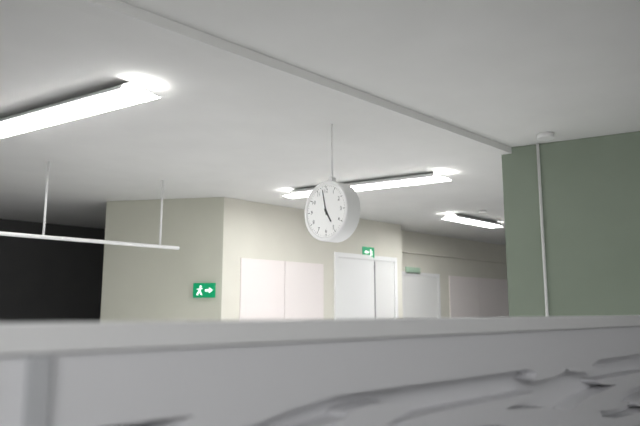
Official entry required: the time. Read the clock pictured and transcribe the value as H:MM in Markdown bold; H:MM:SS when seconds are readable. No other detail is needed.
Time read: **4:58**
